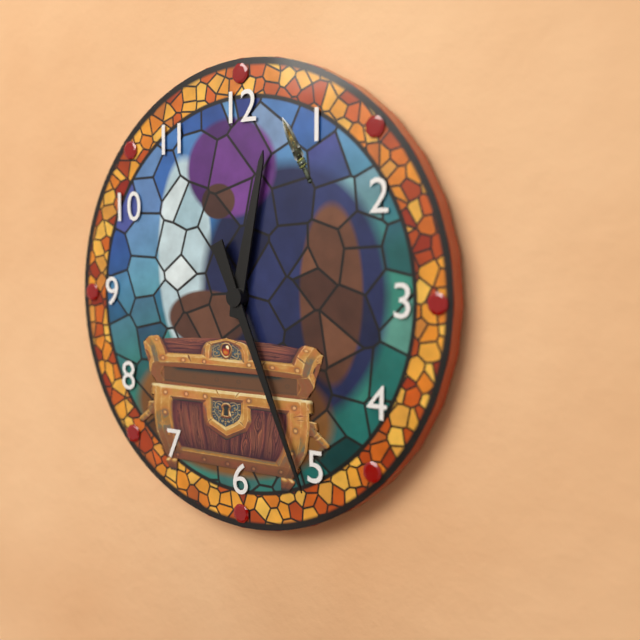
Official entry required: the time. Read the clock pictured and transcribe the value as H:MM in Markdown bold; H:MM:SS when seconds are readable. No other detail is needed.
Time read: **12:26**
